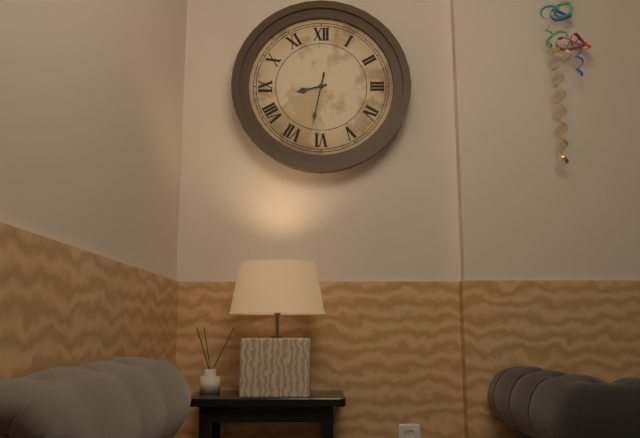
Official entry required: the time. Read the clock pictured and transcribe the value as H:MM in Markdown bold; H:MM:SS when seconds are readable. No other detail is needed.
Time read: **8:32**
